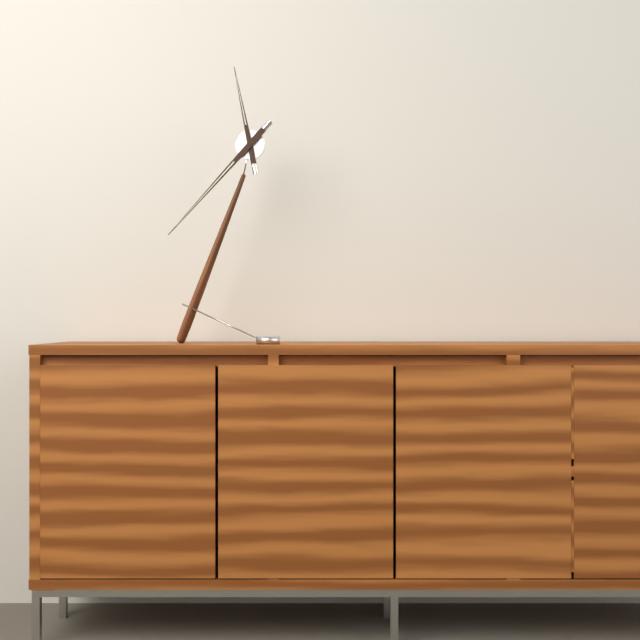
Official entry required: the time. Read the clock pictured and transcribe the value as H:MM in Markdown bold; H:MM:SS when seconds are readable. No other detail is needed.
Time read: **11:37**
